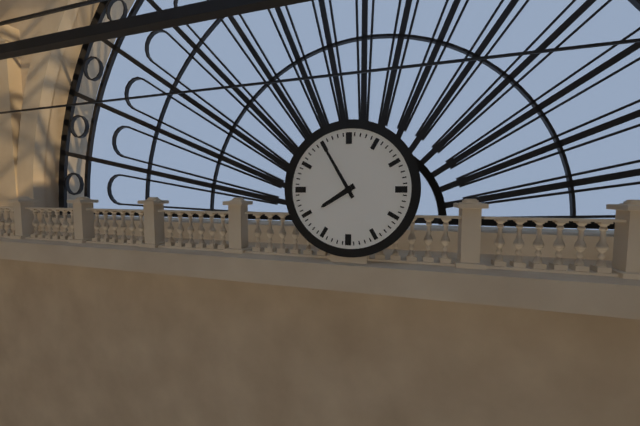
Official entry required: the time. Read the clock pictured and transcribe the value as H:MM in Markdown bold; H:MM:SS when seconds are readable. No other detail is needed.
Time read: **7:55**
